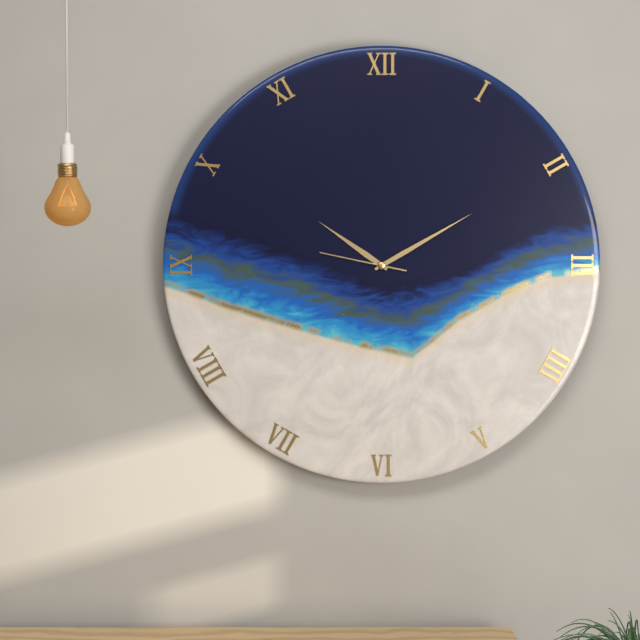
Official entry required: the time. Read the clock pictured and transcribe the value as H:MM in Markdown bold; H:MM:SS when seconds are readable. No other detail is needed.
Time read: **10:10:47**
